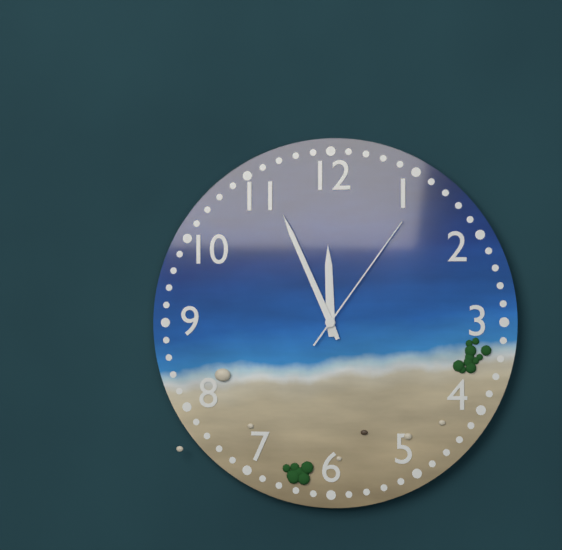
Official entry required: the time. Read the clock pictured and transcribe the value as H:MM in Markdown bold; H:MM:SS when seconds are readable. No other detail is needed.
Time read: **11:56:06**
